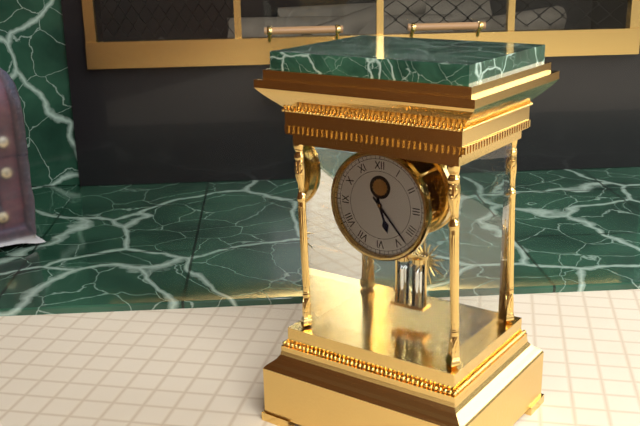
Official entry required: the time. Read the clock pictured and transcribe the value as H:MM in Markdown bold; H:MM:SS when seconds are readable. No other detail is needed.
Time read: **5:23**
